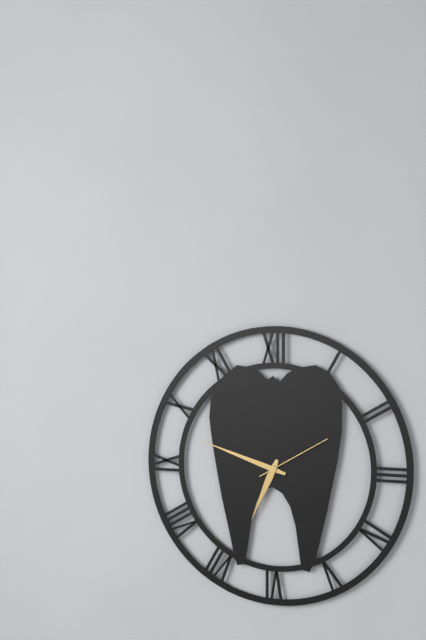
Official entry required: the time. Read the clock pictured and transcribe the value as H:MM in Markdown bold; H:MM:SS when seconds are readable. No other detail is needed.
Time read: **6:48:10**
